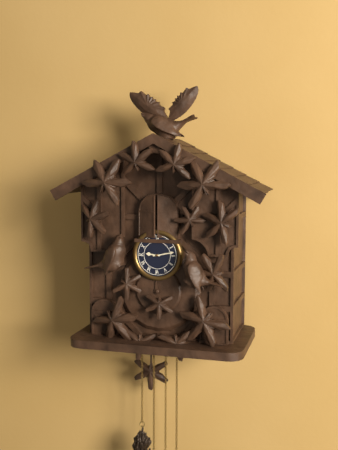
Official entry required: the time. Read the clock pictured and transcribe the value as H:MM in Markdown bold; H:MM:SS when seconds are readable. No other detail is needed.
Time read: **9:13**
